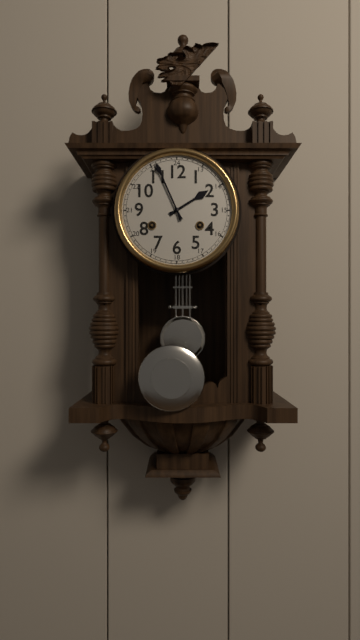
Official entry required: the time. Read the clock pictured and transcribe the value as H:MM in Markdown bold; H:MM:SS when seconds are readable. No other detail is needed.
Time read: **1:56**
